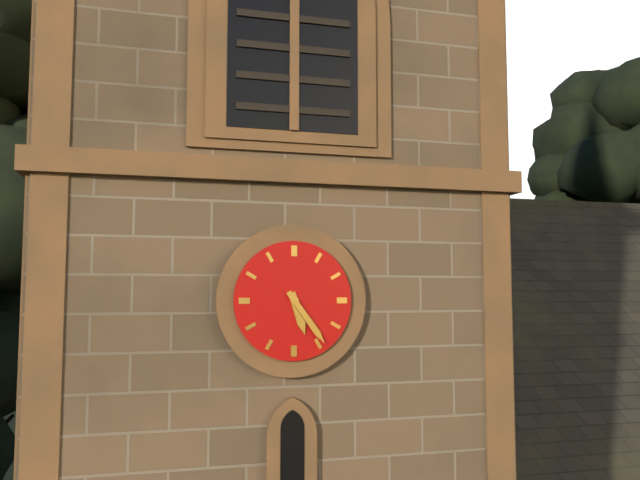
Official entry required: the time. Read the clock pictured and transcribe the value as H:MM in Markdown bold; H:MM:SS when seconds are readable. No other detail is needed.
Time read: **5:24**
